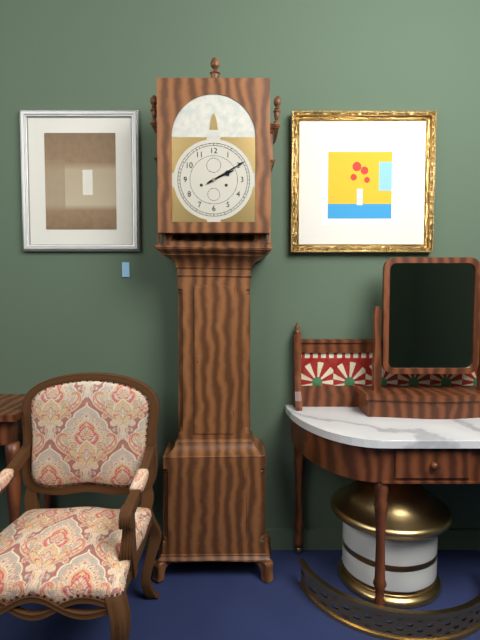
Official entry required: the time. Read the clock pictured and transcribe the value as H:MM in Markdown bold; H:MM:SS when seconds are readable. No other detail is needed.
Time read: **2:10**
